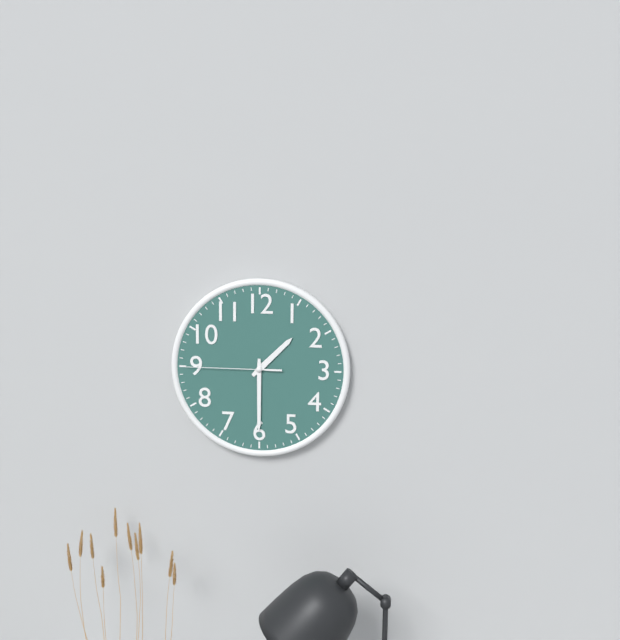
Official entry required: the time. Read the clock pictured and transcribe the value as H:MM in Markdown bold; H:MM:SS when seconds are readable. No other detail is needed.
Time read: **1:30:45**
